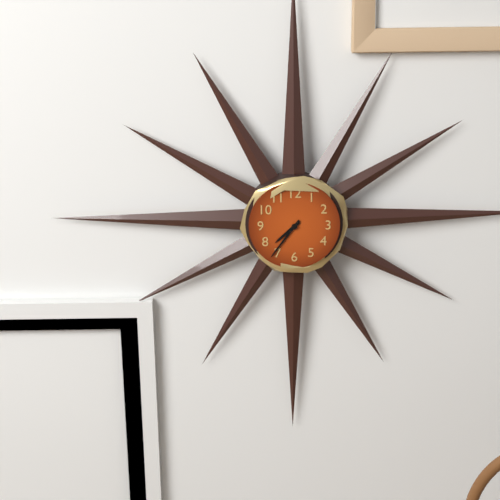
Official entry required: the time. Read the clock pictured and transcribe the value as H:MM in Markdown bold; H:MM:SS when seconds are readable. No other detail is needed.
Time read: **7:36**
